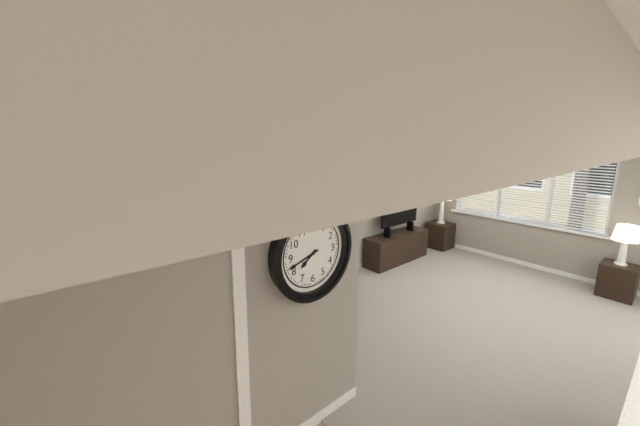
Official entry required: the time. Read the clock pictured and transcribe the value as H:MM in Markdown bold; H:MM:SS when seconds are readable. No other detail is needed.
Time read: **7:42**
